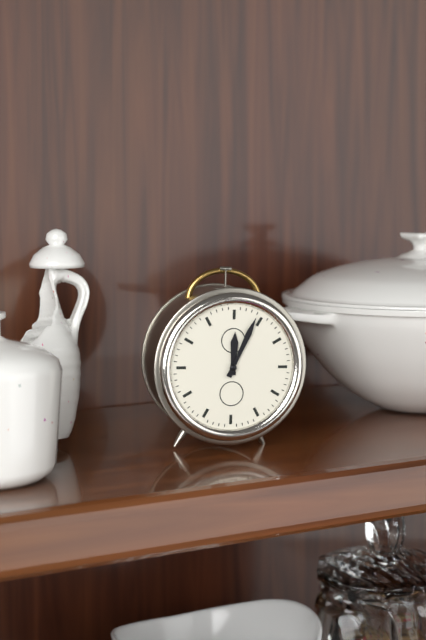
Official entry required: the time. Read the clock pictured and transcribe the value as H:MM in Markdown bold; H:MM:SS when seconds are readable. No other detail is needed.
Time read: **12:04**
